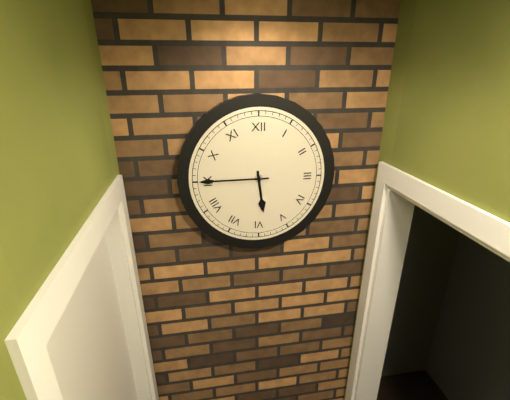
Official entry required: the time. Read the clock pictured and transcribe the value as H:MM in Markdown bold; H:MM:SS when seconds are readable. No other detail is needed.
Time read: **5:45**
